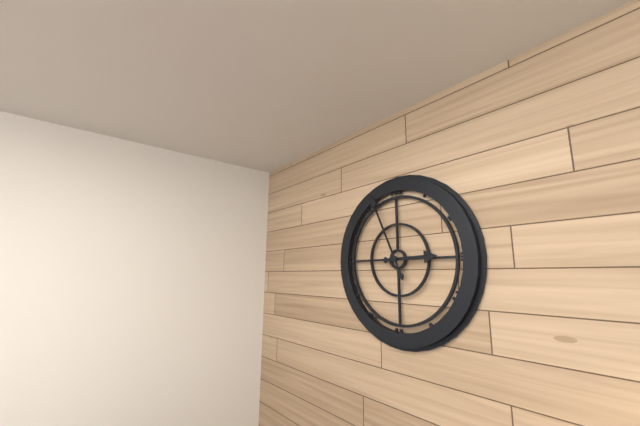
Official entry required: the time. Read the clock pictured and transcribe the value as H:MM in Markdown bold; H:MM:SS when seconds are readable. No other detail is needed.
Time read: **2:56**
